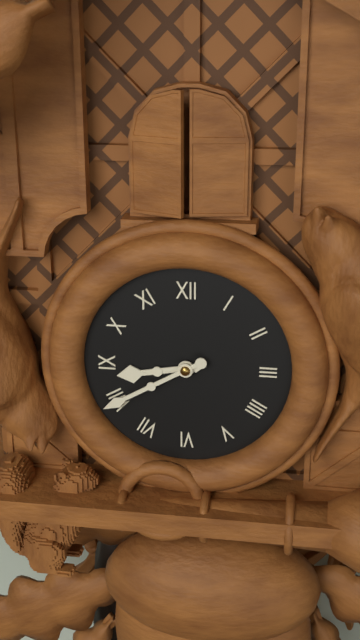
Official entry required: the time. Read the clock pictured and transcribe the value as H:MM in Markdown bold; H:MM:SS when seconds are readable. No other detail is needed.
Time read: **8:40**
